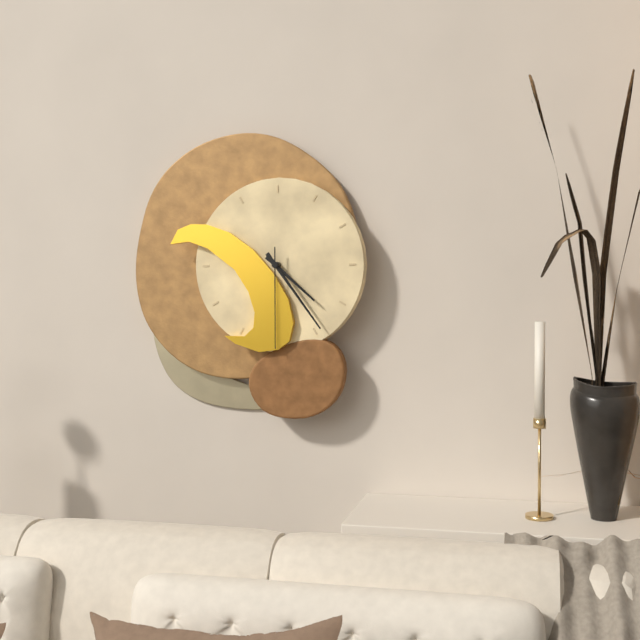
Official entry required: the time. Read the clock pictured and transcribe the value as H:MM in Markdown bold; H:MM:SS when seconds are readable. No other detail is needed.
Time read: **4:24:30**
